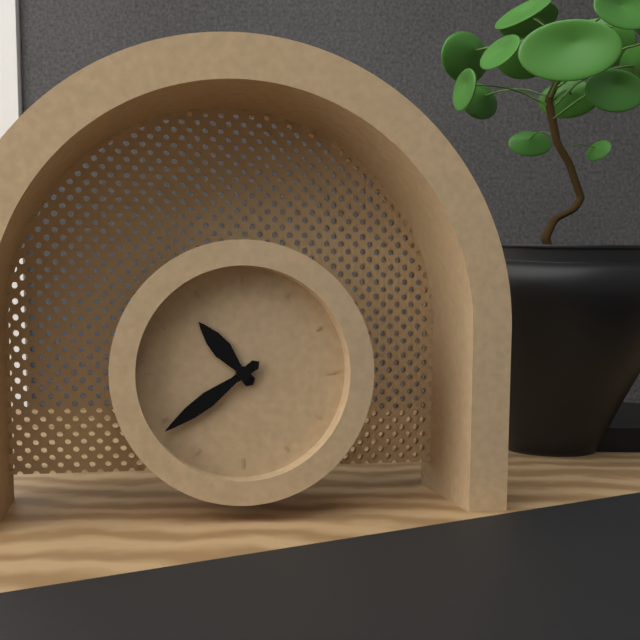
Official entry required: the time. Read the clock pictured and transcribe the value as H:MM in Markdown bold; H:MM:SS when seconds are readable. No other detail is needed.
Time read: **10:39**
